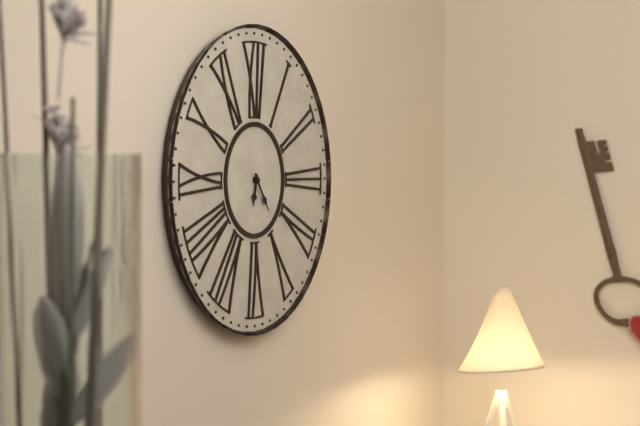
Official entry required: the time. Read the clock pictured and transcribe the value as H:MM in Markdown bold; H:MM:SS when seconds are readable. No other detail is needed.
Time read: **6:24**
